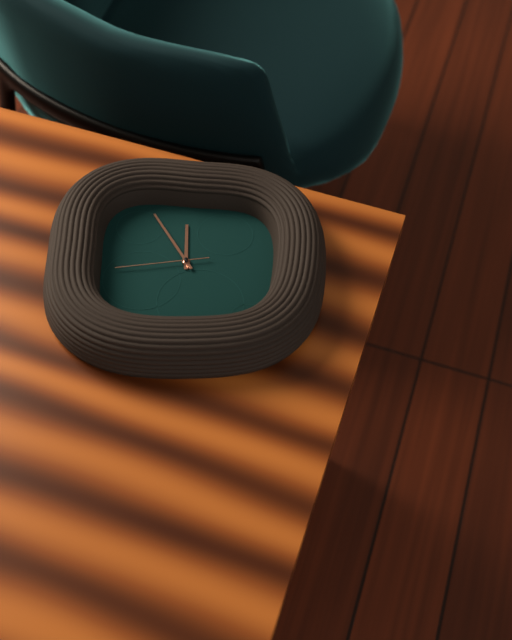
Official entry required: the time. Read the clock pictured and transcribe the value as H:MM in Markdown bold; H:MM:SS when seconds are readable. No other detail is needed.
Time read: **11:55:43**
